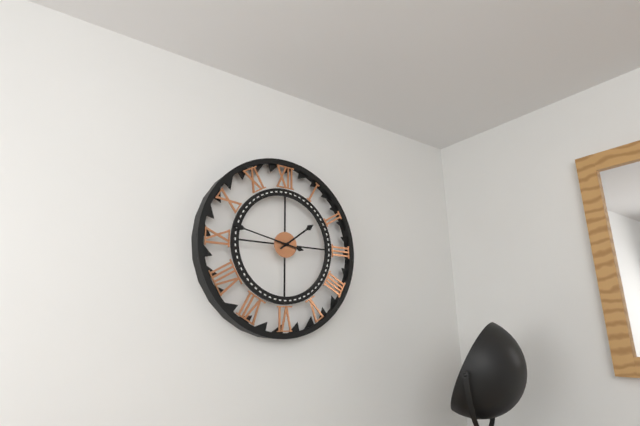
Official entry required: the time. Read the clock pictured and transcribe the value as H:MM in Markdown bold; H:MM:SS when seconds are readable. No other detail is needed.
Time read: **1:47**
